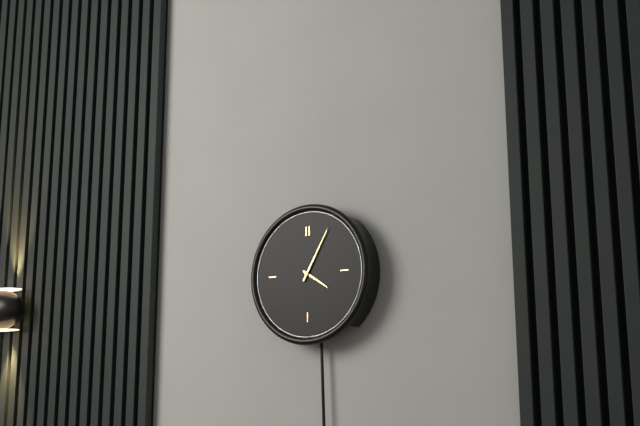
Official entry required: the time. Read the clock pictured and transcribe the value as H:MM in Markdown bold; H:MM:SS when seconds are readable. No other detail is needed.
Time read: **4:05**
